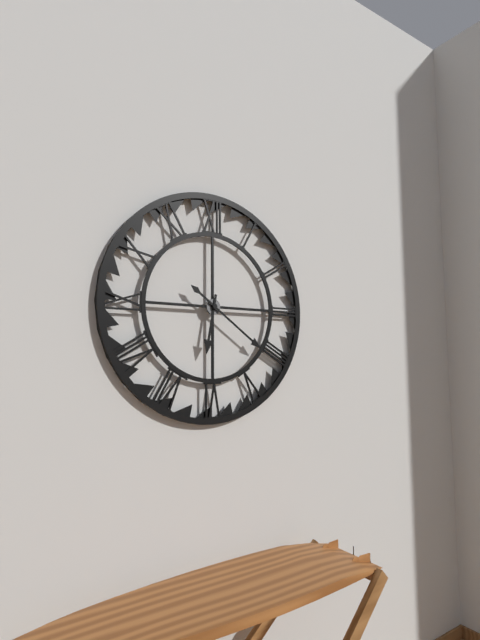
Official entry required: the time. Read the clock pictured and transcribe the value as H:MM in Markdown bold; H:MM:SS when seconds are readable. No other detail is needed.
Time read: **6:21**
